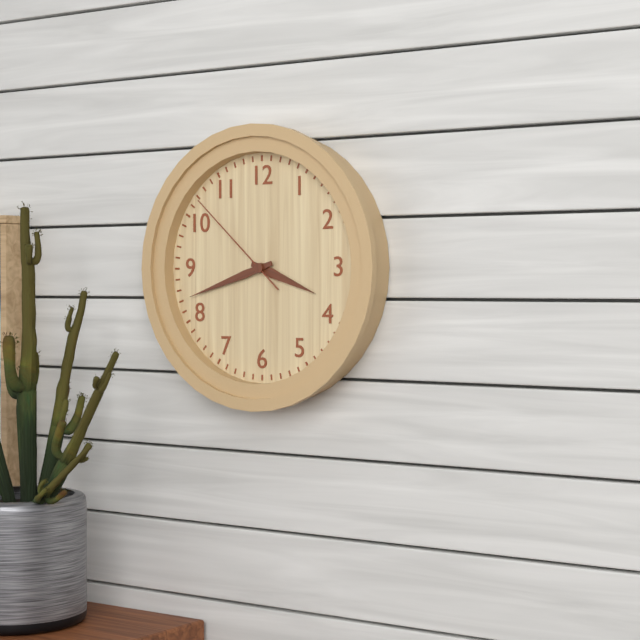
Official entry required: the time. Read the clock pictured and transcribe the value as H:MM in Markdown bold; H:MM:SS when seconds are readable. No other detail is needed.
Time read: **3:42:52**
